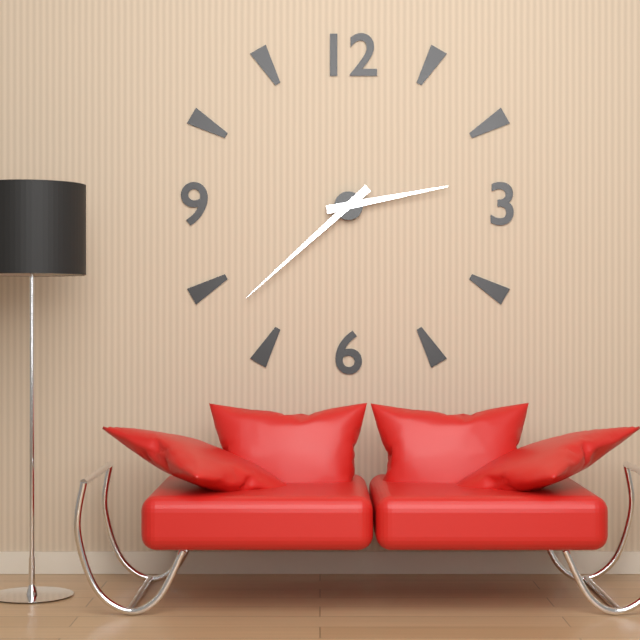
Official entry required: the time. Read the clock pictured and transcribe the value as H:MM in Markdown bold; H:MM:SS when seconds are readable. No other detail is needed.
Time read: **2:38**
